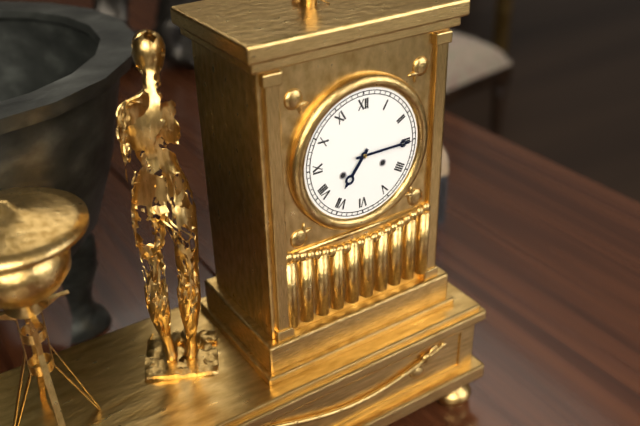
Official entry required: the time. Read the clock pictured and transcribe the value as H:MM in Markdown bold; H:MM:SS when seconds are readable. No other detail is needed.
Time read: **7:15**
